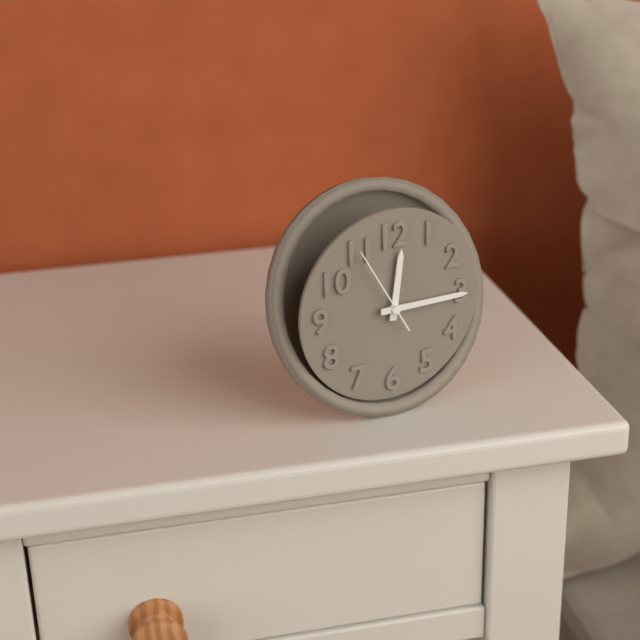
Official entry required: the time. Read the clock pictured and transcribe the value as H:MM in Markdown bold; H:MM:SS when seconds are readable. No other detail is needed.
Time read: **12:15:55**
